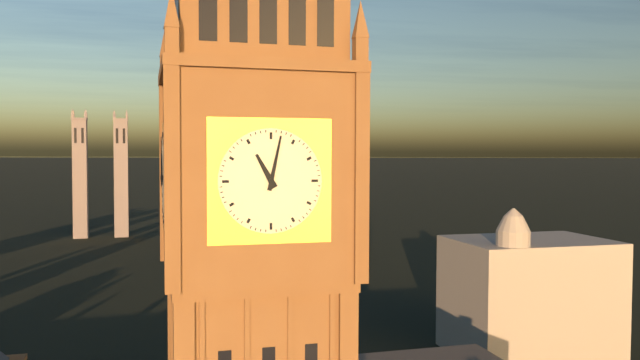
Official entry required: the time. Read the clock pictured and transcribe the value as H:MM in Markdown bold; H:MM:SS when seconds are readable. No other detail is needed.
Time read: **11:02**
